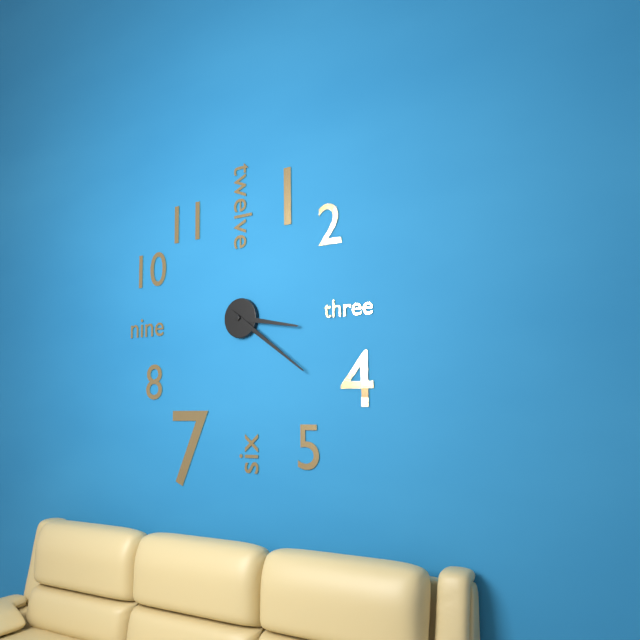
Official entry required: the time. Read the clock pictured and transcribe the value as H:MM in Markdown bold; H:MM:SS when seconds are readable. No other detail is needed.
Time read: **3:21**
